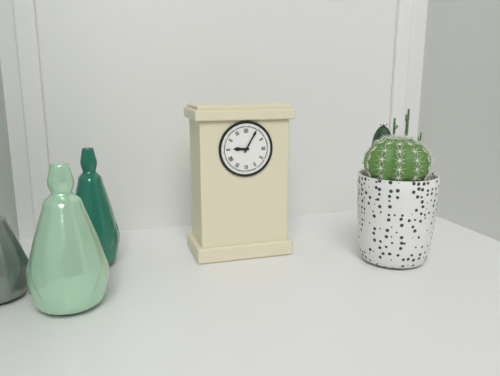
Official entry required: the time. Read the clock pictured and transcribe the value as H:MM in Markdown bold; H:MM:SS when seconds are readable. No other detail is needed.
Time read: **9:05**
